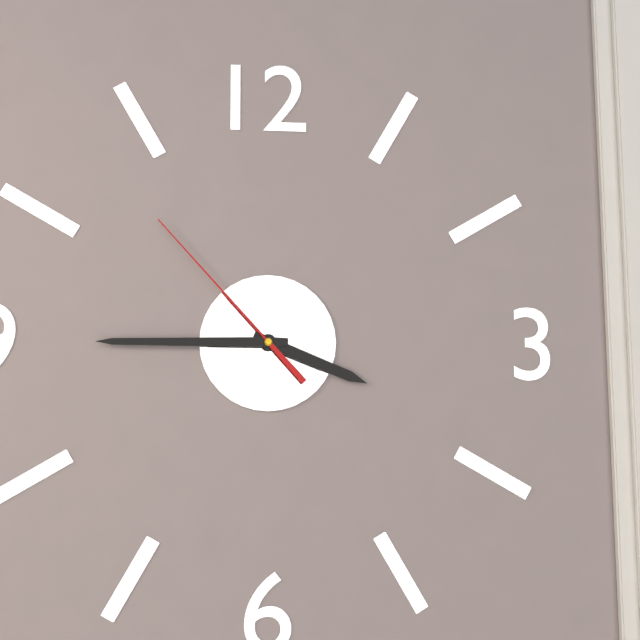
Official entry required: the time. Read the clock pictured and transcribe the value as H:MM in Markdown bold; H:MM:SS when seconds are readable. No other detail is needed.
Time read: **3:45:53**
